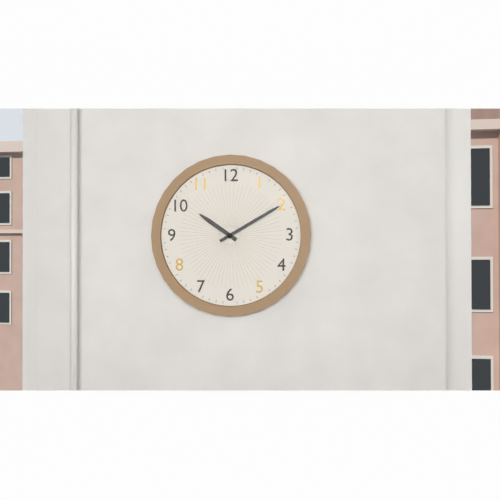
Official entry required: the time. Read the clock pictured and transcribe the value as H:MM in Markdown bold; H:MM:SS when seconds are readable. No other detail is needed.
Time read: **10:10**
